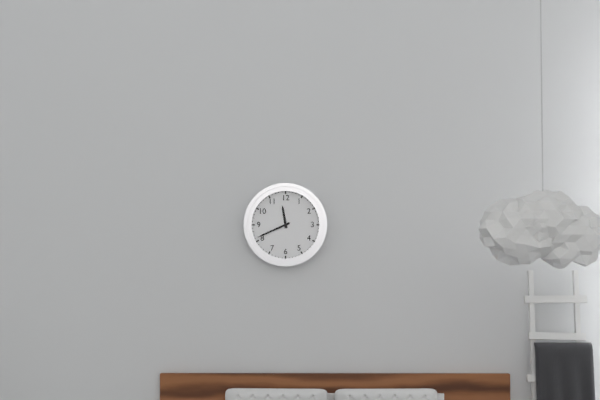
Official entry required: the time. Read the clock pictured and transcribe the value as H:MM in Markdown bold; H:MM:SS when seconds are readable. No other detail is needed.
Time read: **11:41**
